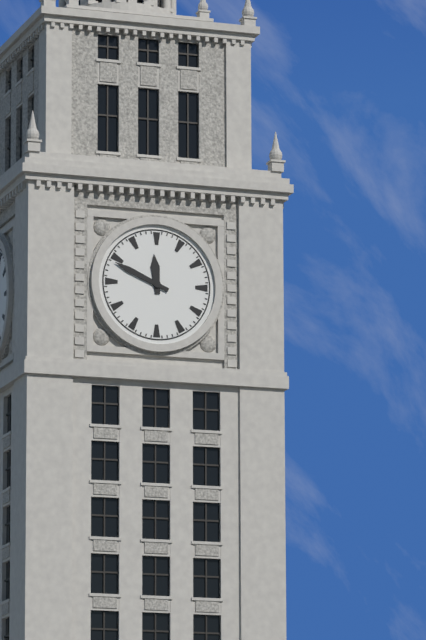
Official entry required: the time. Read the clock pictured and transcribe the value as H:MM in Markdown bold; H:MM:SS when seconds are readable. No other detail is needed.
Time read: **11:49**
